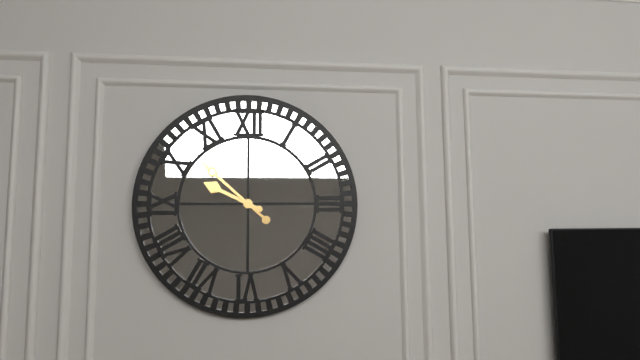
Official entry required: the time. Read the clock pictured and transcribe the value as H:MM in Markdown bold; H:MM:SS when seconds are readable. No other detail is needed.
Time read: **9:52**
